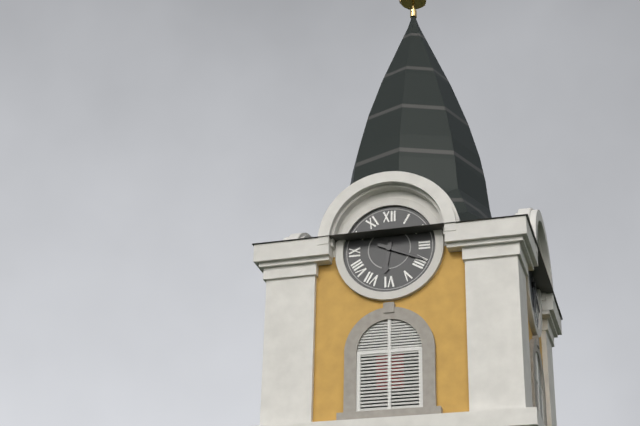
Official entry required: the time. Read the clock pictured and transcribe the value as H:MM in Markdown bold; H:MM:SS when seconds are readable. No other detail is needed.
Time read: **6:19**
